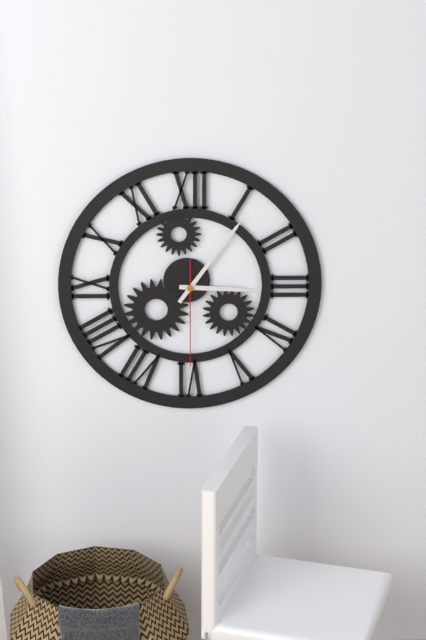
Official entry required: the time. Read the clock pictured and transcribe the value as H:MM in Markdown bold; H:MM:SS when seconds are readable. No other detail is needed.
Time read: **3:06:30**
